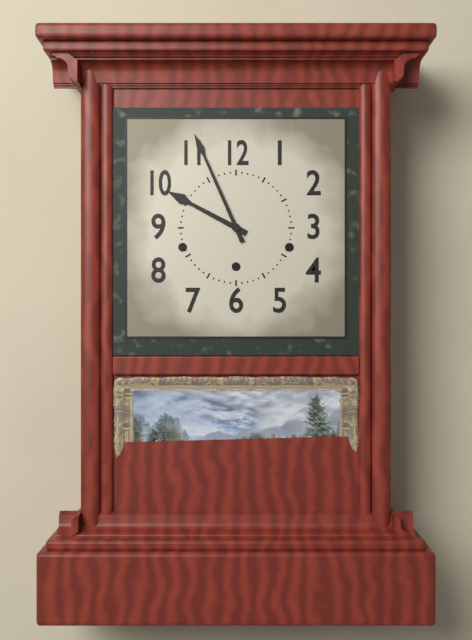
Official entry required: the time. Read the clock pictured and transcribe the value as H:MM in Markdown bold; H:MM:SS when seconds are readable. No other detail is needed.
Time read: **9:56**
